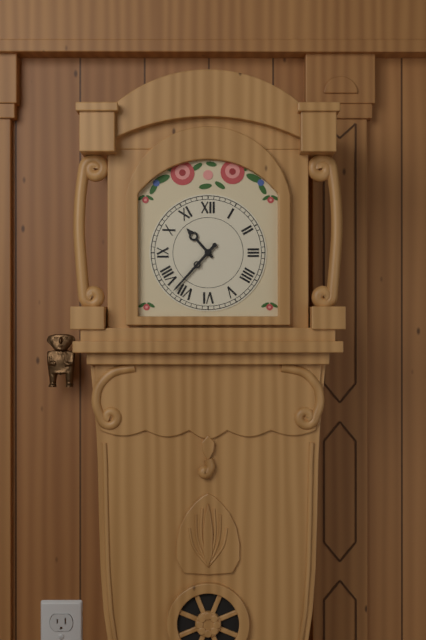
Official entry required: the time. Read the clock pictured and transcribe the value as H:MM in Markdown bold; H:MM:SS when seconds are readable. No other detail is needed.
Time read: **10:37**
